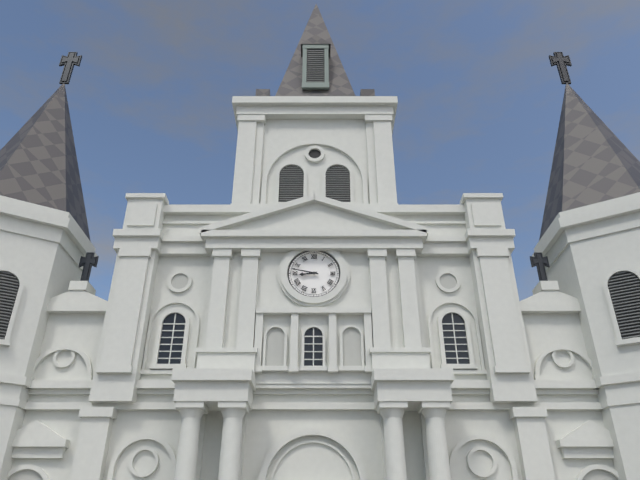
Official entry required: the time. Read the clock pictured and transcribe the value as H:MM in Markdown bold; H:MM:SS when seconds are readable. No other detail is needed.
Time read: **8:47**
